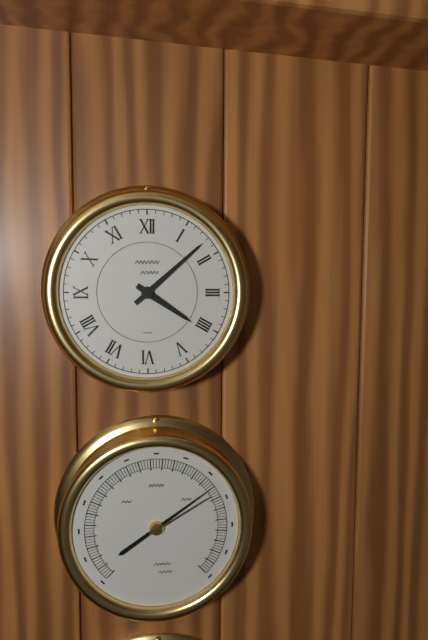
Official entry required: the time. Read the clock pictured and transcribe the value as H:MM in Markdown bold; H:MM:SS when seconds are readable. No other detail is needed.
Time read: **4:08**
